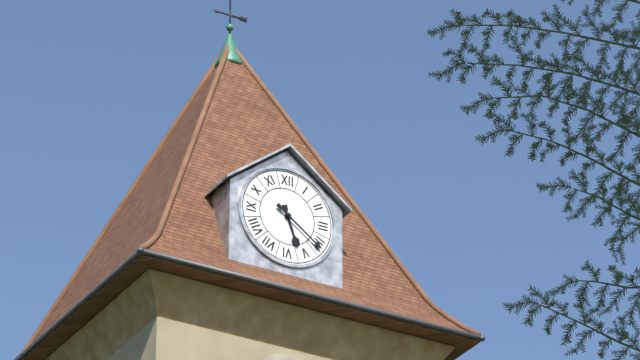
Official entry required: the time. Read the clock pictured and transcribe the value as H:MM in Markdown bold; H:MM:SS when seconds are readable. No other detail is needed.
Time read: **5:21**
